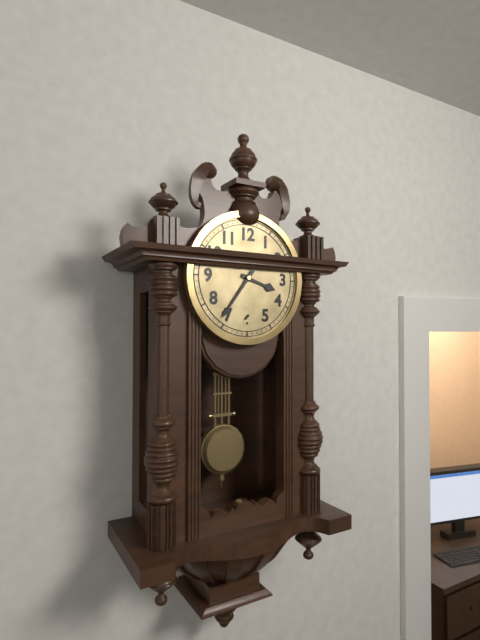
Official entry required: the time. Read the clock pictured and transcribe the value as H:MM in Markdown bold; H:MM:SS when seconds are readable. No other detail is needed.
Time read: **3:36**
